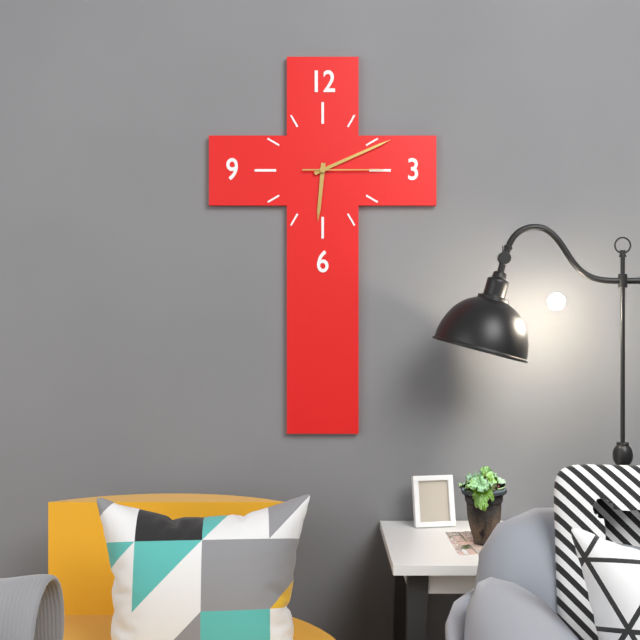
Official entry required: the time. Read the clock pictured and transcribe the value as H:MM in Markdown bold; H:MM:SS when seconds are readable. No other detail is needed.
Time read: **6:11:15**
